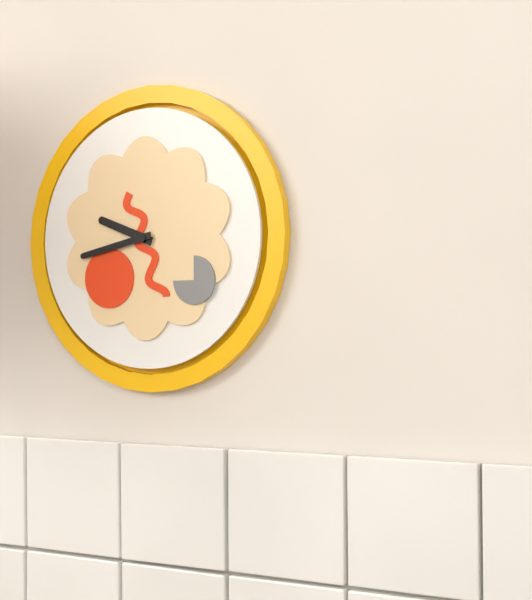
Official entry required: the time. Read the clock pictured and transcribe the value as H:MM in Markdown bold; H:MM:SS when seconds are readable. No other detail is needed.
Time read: **9:43**
